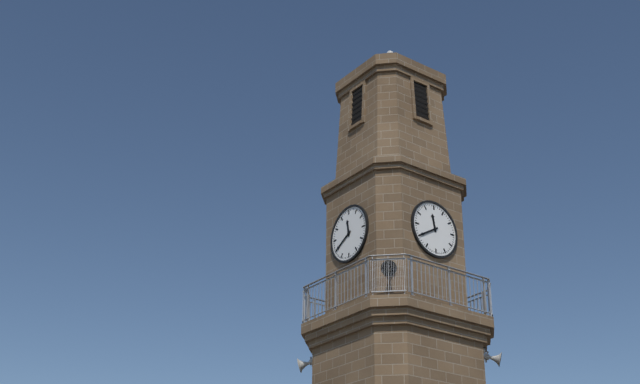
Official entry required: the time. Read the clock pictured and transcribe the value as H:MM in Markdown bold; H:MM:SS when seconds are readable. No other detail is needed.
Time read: **11:40**
